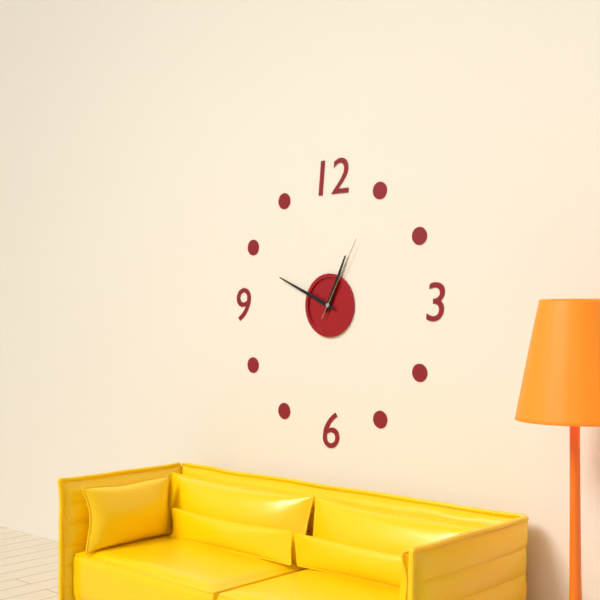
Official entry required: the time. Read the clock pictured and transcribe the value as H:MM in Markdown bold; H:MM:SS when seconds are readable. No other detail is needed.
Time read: **12:49:05**
